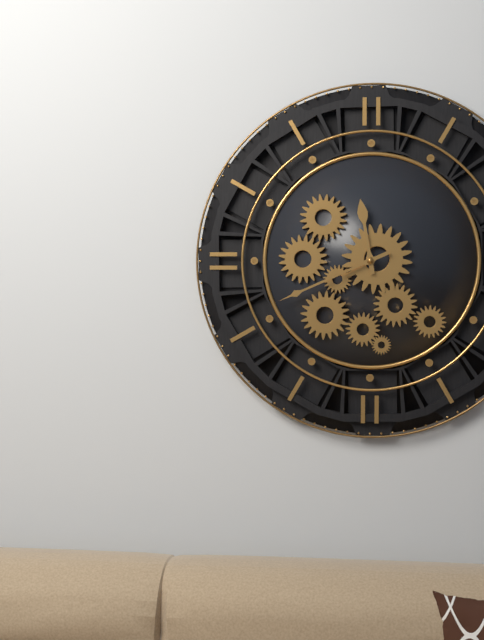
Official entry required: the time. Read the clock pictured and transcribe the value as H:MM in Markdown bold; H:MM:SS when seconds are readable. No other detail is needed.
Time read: **11:41**
